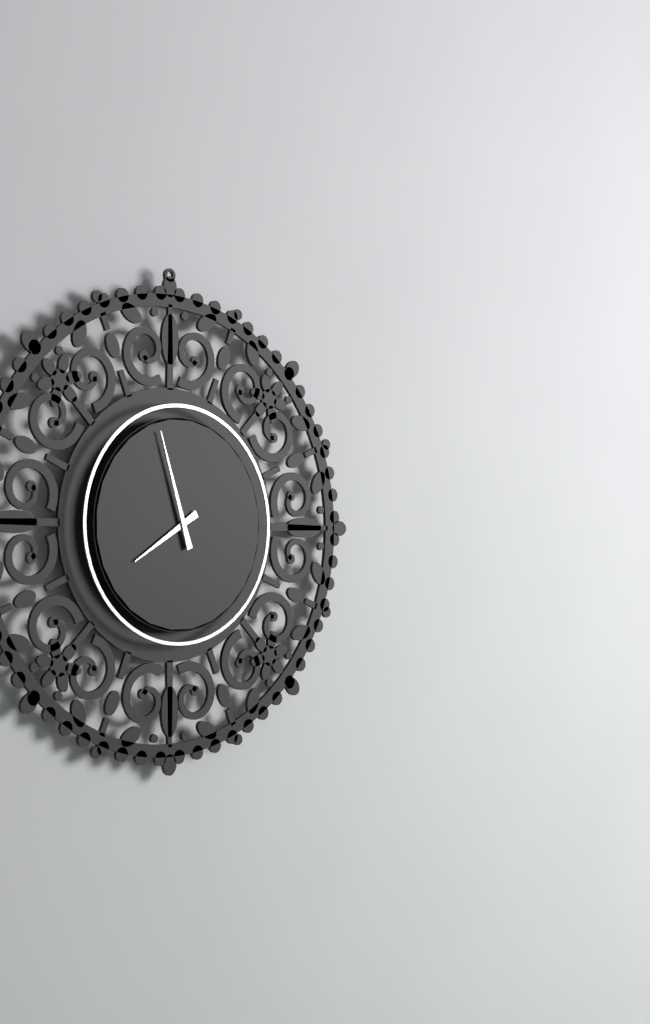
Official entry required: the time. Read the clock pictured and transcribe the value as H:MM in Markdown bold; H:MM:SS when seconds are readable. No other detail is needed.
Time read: **7:57**
